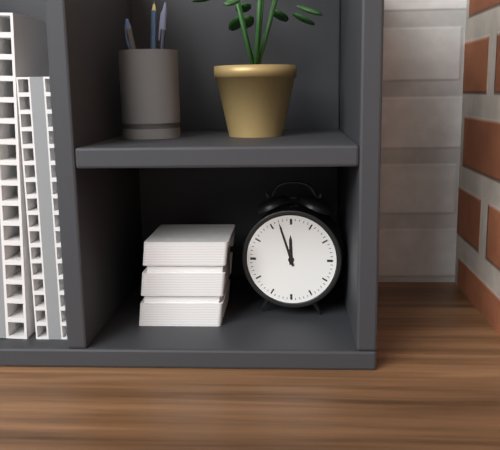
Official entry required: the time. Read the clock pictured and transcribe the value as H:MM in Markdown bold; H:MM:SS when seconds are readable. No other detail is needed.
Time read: **11:57**
